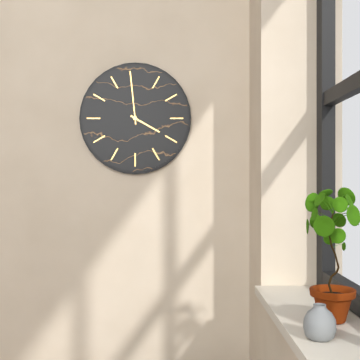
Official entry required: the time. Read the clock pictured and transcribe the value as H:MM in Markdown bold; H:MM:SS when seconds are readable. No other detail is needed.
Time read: **3:59**
